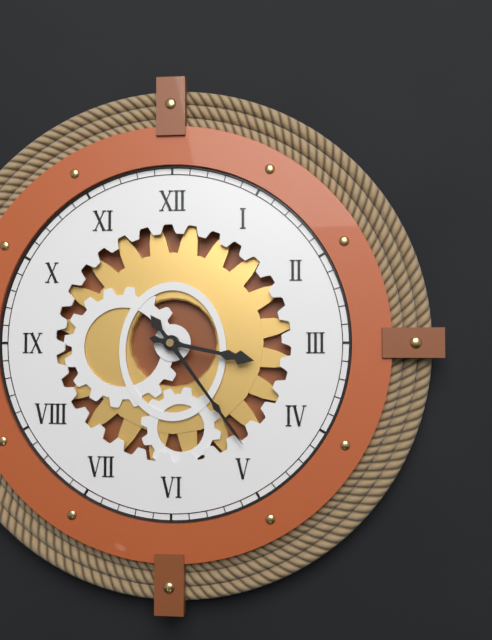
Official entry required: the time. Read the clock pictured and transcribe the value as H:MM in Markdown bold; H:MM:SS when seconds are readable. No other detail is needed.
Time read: **3:24**
